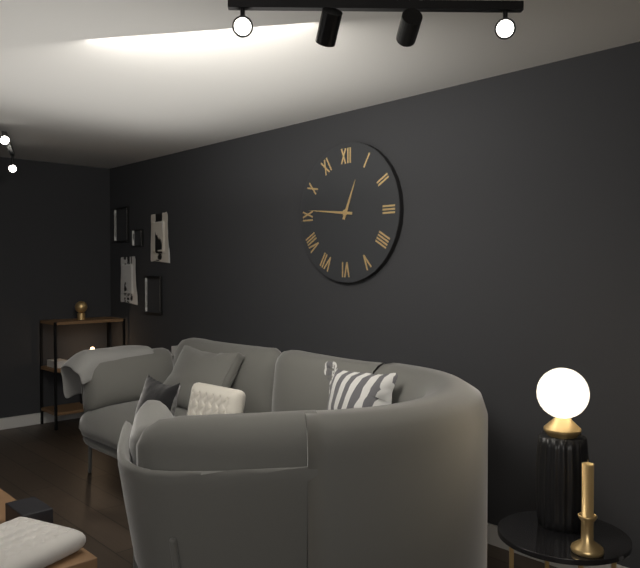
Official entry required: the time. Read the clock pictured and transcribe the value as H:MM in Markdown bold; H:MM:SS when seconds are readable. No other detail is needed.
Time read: **12:46**
